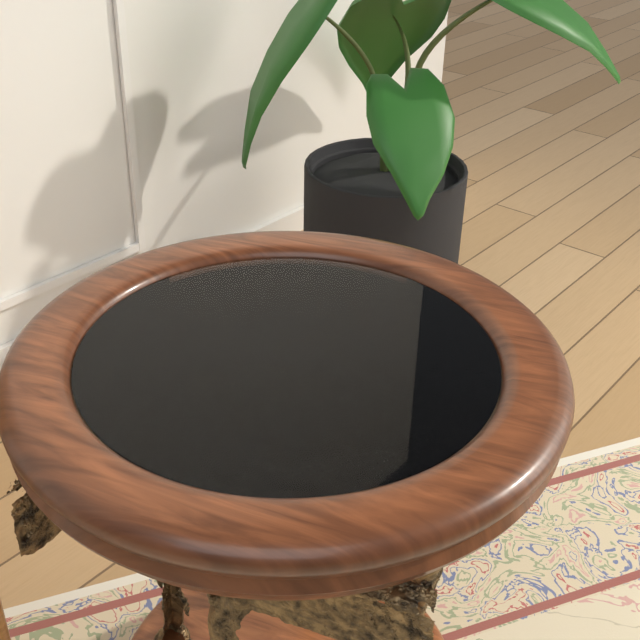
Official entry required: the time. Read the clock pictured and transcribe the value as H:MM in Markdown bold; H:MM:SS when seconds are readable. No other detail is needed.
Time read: **10:07**
